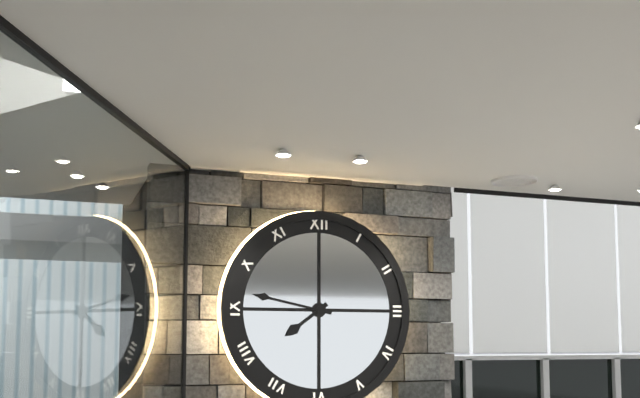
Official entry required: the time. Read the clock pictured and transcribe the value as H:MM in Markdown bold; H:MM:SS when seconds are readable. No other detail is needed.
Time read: **7:47**
